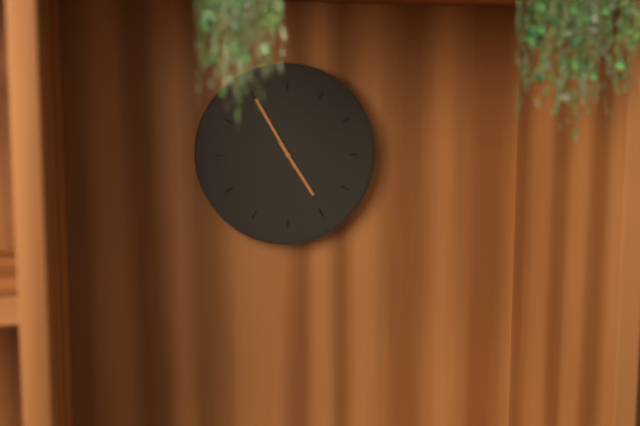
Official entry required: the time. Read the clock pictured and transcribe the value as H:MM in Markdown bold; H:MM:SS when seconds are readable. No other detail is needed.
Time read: **4:55**
